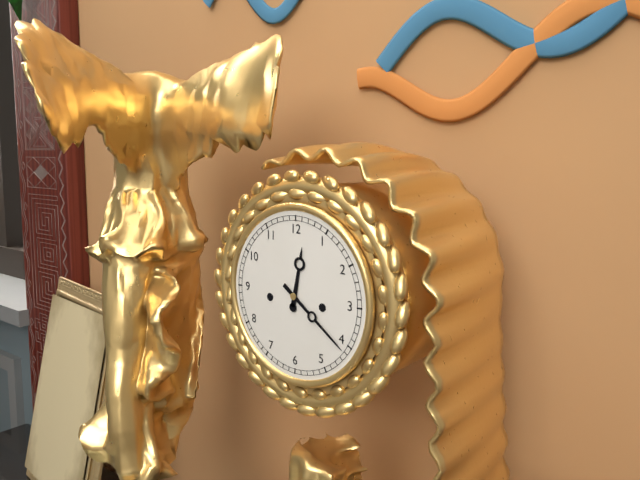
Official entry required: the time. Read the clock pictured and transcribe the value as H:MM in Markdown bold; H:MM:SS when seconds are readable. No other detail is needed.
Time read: **12:21**
